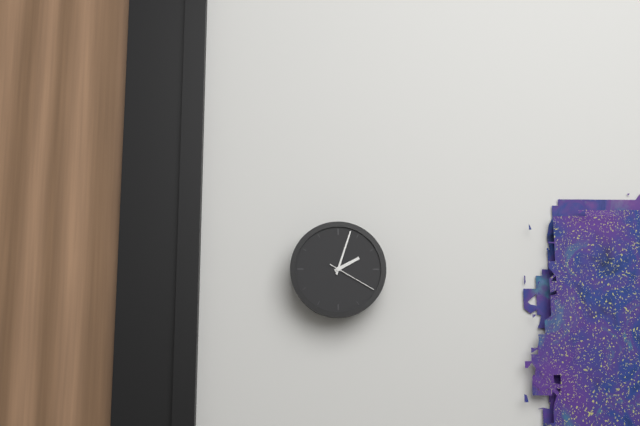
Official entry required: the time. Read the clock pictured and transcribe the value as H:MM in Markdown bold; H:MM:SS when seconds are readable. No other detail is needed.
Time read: **2:03:20**
